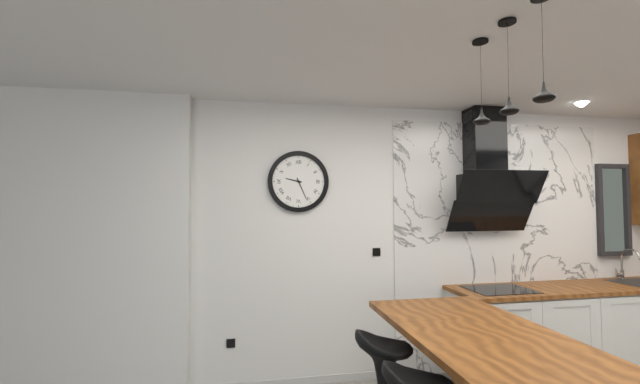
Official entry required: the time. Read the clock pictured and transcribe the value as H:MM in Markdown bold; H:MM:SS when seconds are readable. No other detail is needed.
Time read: **9:26**
